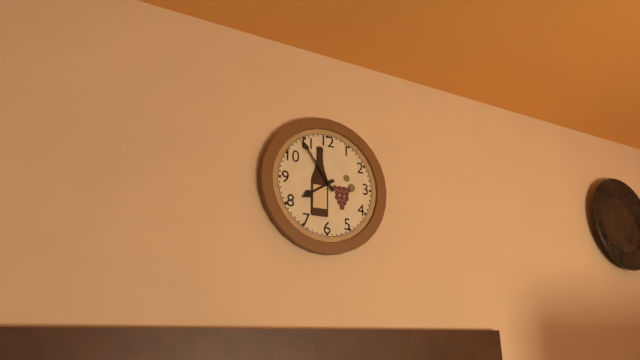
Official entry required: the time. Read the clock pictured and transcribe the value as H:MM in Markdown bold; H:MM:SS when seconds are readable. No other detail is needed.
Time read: **7:54**
